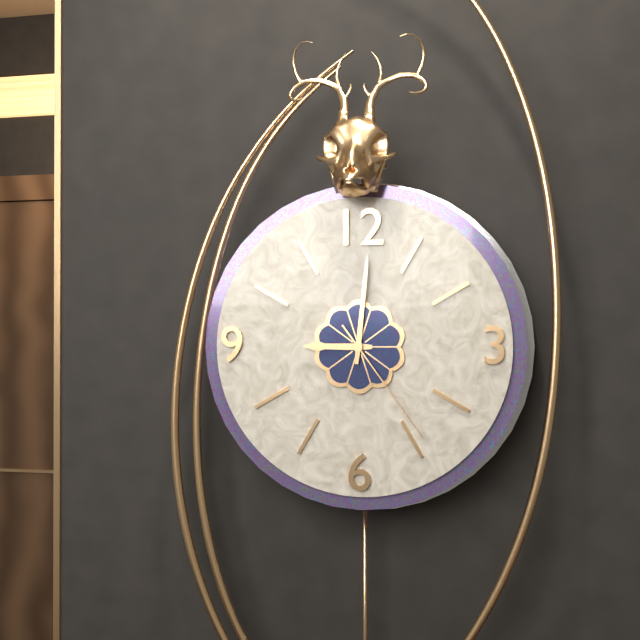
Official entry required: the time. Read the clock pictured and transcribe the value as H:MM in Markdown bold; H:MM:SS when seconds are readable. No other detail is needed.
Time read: **9:01:24**
